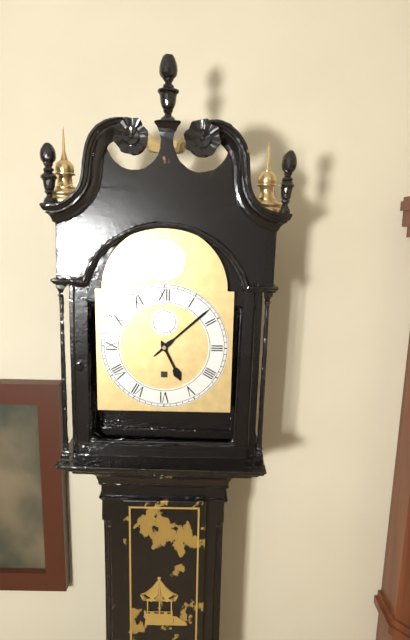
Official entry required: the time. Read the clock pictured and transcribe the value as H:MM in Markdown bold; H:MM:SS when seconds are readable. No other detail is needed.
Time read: **5:08**
